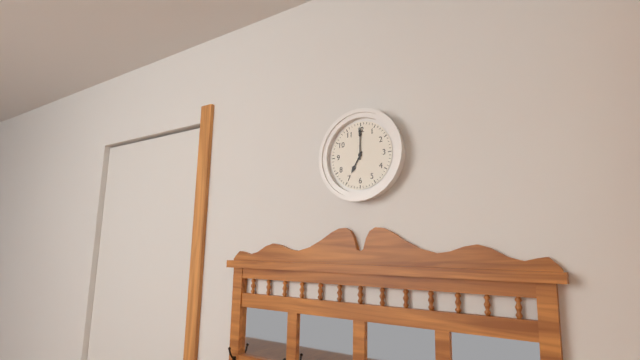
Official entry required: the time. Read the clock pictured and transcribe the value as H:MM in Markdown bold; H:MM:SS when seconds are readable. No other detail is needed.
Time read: **7:00**
